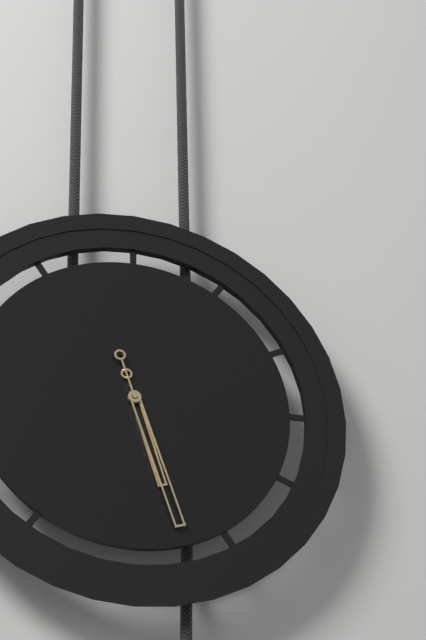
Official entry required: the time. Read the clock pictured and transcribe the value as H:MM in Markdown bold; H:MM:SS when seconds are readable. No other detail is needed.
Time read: **5:27**
